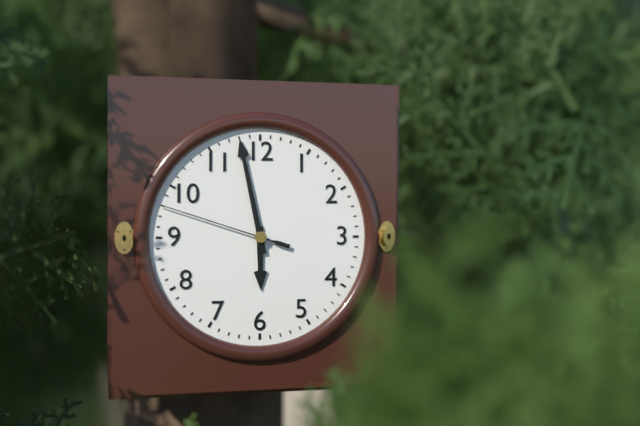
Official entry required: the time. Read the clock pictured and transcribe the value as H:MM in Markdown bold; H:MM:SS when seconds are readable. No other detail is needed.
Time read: **5:58:48**
